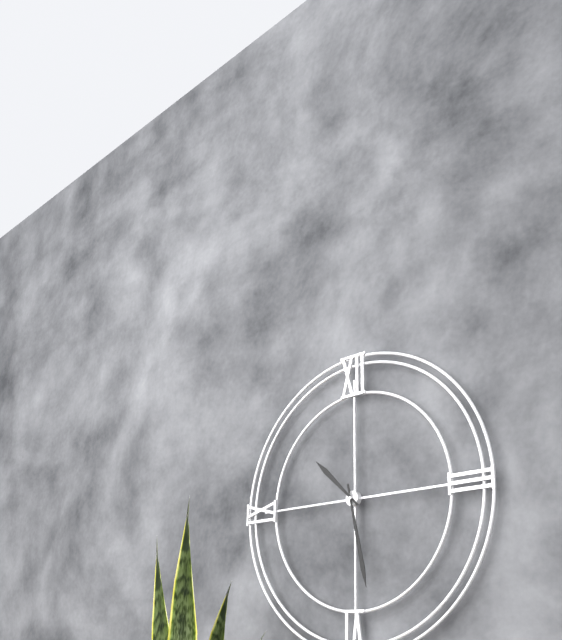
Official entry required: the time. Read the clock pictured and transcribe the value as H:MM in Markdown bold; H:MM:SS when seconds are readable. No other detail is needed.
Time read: **10:28**
